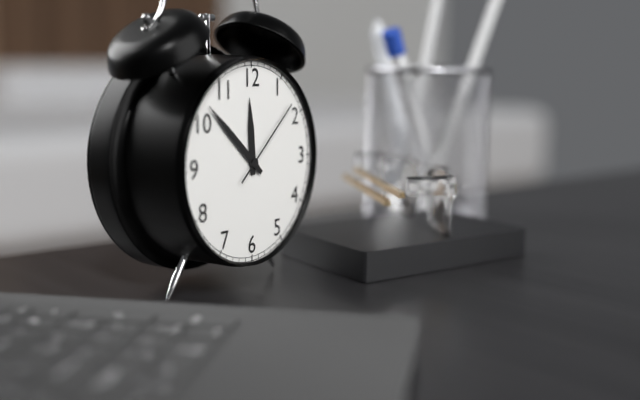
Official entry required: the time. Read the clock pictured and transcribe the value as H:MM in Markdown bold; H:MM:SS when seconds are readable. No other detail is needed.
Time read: **11:52:08**
